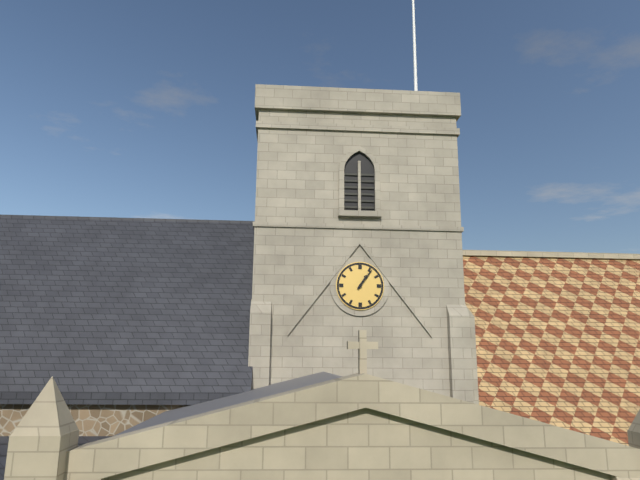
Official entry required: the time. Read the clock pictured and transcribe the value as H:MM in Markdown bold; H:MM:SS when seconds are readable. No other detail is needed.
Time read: **1:06**
